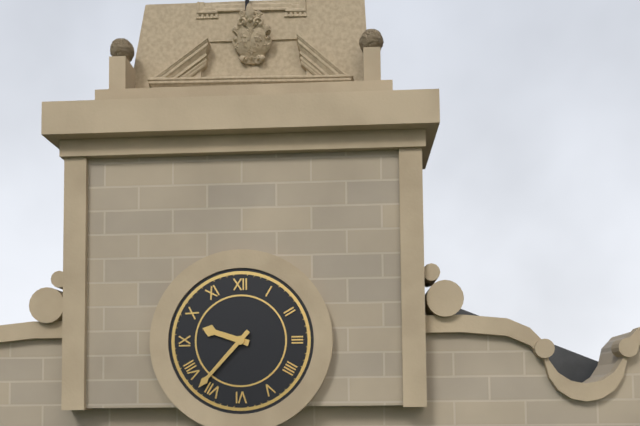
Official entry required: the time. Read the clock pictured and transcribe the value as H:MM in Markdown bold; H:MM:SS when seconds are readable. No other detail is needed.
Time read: **9:37**
